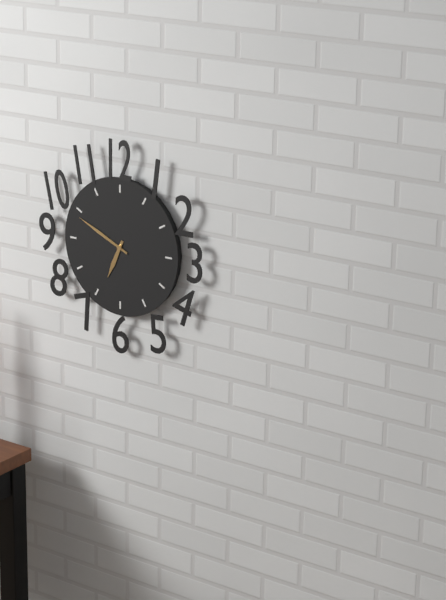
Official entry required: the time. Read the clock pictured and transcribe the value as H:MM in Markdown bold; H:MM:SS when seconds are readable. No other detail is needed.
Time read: **6:49**
